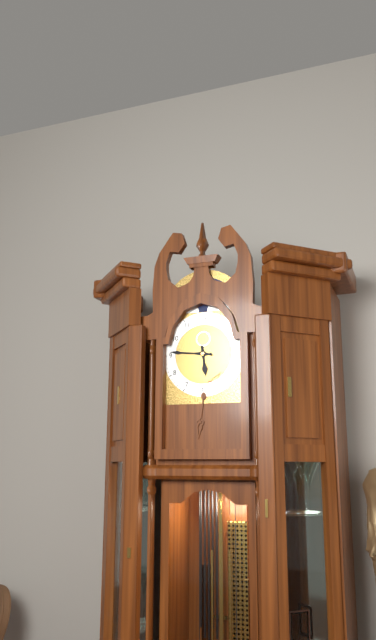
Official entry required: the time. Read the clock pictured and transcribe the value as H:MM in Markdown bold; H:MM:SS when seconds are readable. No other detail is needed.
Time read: **5:46**
